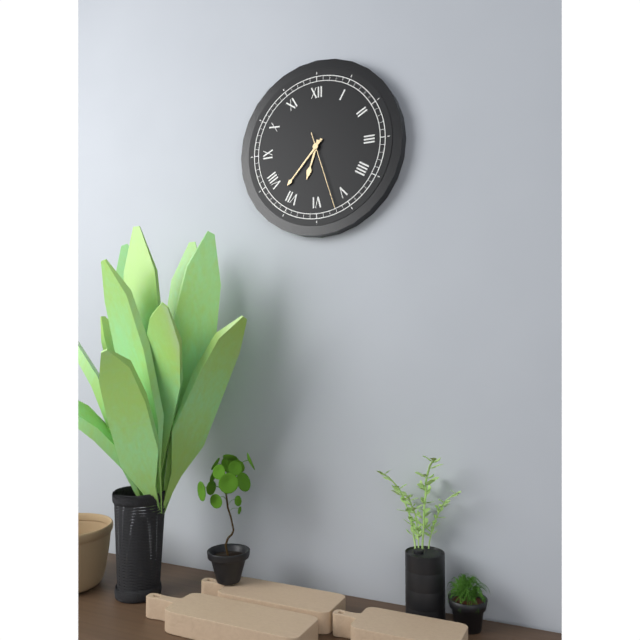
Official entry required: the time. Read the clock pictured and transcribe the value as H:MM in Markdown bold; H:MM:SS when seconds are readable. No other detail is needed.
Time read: **6:37:27**
